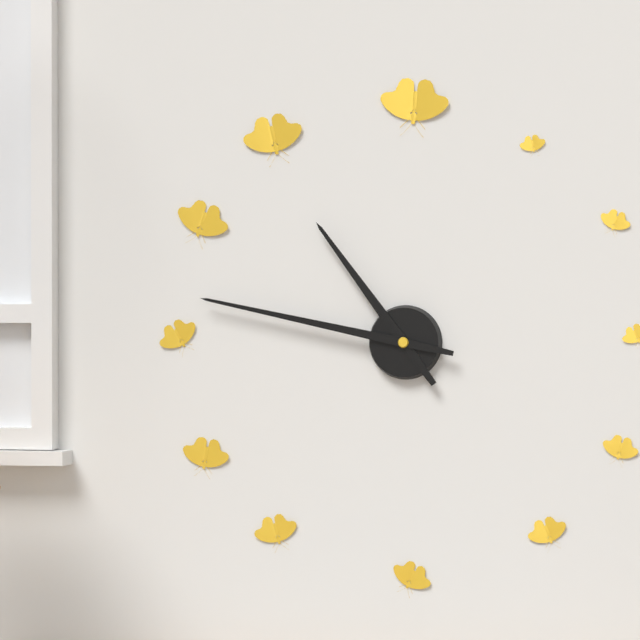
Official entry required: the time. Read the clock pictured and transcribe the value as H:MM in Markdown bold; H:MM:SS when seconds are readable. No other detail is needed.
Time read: **10:47**
